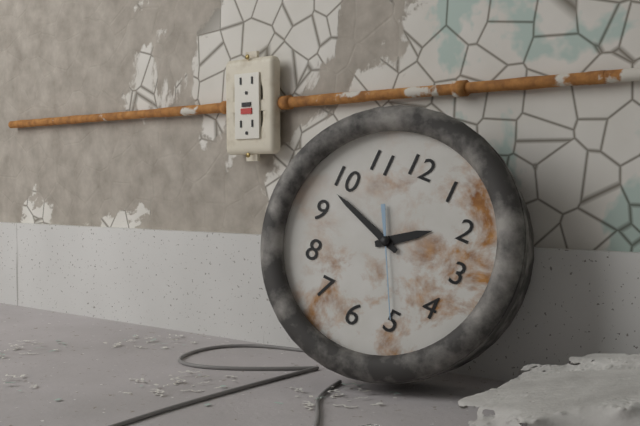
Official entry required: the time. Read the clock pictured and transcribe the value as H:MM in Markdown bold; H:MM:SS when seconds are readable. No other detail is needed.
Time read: **1:48:25**
